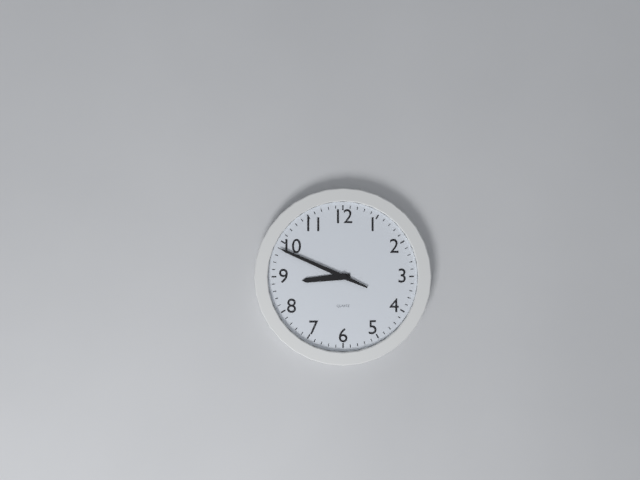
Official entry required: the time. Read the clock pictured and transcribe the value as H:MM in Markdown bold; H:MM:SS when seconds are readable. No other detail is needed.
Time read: **8:49**
